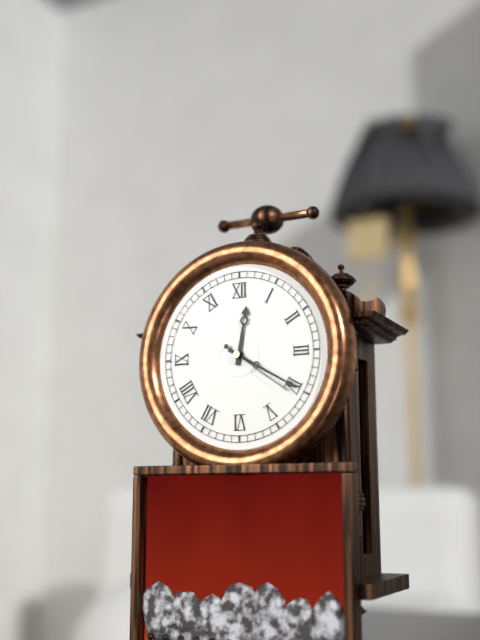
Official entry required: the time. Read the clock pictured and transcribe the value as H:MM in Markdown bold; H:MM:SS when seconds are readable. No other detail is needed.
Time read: **12:20:21**
